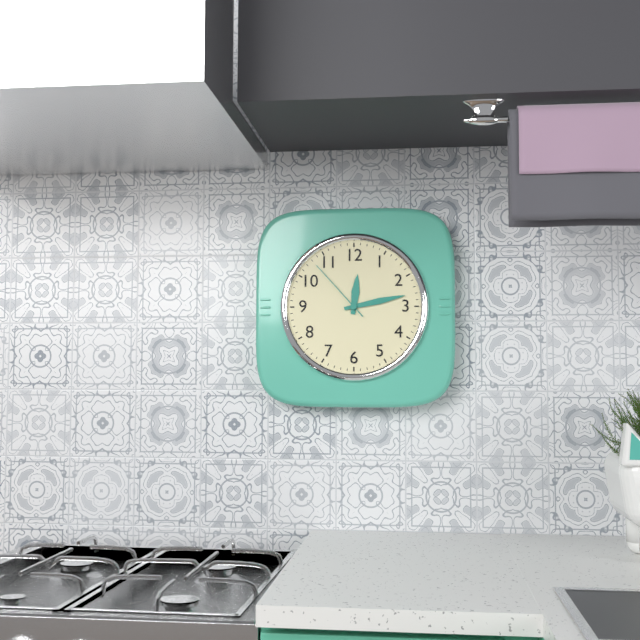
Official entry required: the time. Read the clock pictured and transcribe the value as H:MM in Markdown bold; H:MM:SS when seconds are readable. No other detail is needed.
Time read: **12:13:53**
